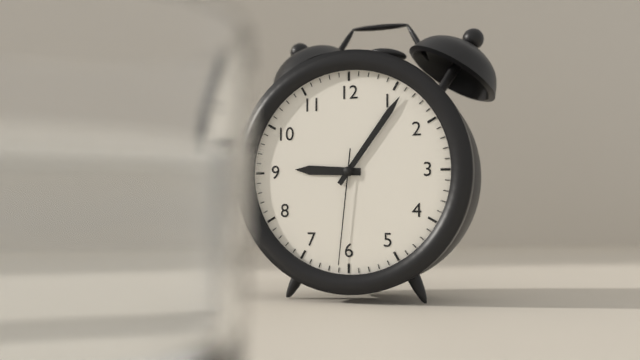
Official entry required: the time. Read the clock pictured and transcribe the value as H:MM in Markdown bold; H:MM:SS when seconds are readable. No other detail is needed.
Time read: **9:06:31**
